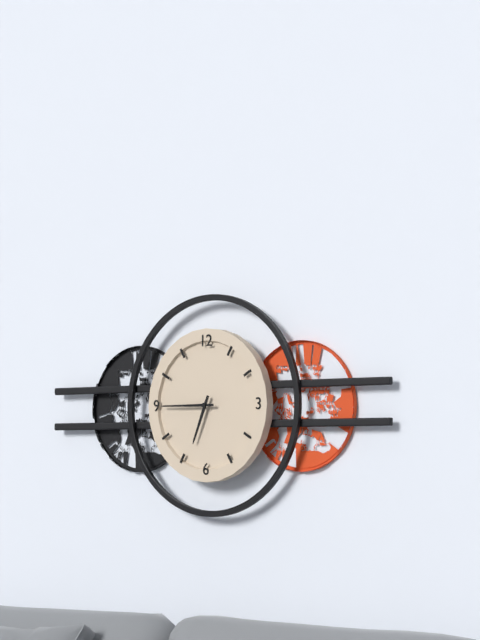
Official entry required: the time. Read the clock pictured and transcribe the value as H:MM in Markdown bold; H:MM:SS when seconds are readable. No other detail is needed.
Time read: **6:45**
